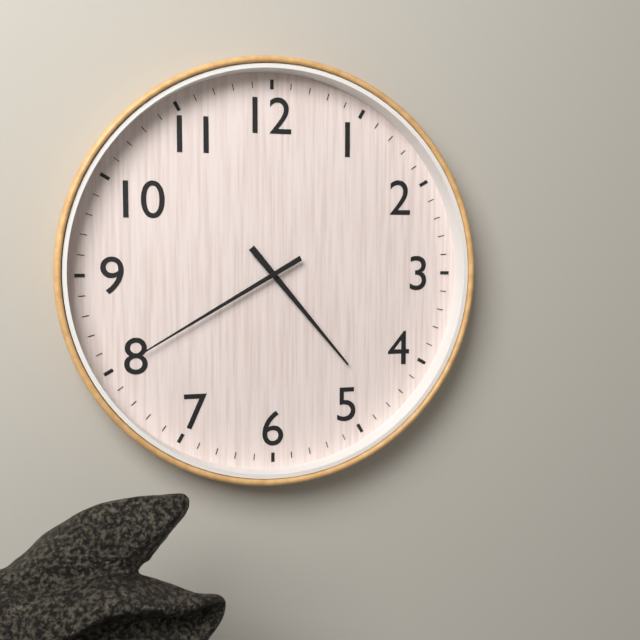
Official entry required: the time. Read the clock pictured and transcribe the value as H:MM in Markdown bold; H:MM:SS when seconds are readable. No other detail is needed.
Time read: **4:40**
